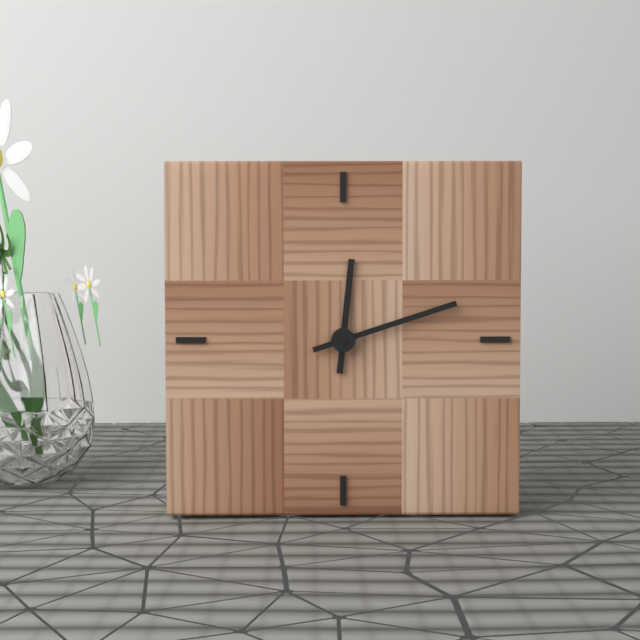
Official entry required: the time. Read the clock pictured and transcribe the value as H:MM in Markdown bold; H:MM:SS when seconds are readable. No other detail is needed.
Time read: **12:12**
